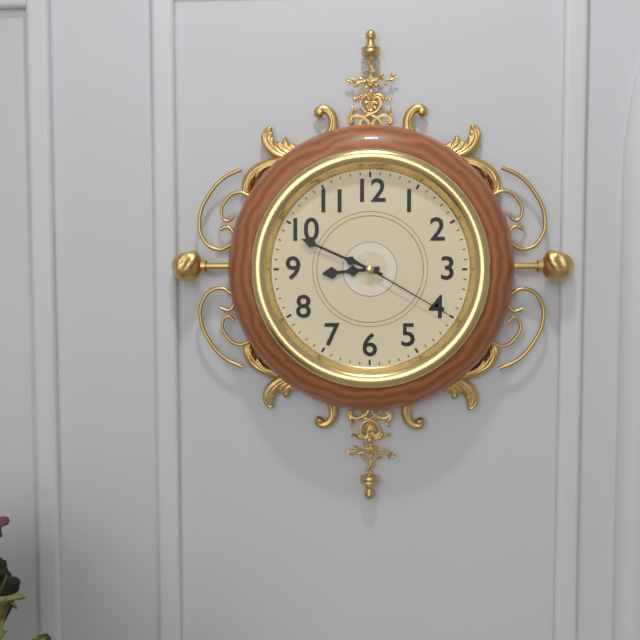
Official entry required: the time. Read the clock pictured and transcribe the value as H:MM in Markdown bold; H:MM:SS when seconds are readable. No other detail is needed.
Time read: **8:49:20**
